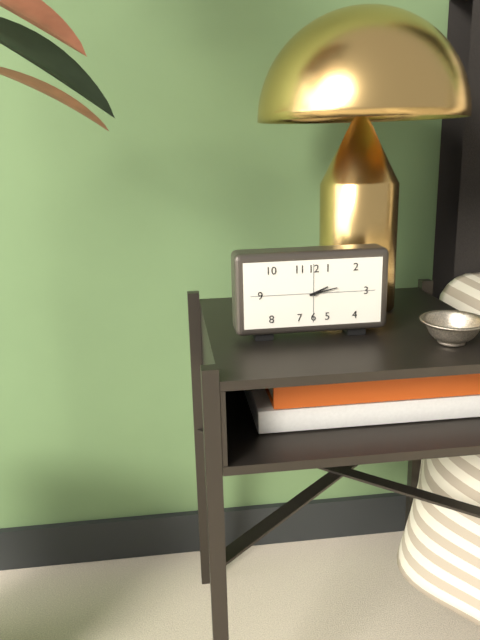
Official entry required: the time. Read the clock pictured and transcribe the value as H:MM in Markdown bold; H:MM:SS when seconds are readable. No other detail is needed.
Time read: **2:13**
